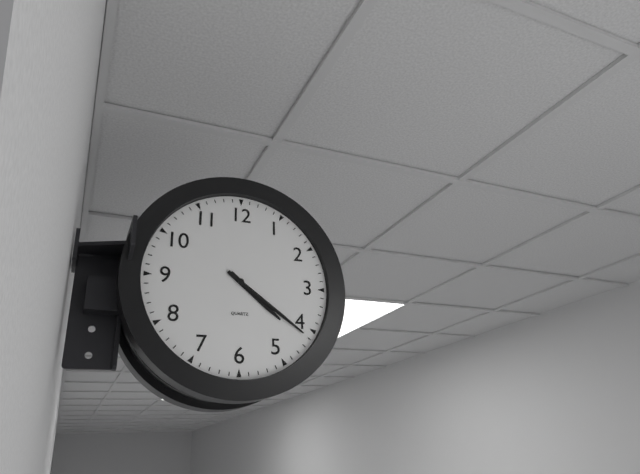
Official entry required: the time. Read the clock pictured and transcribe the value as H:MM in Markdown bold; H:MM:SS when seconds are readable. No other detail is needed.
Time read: **4:21**
